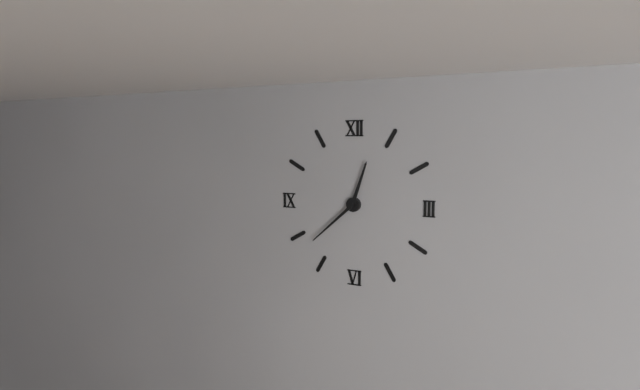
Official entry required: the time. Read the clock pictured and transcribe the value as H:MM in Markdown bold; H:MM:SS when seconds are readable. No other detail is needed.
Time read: **12:38**
